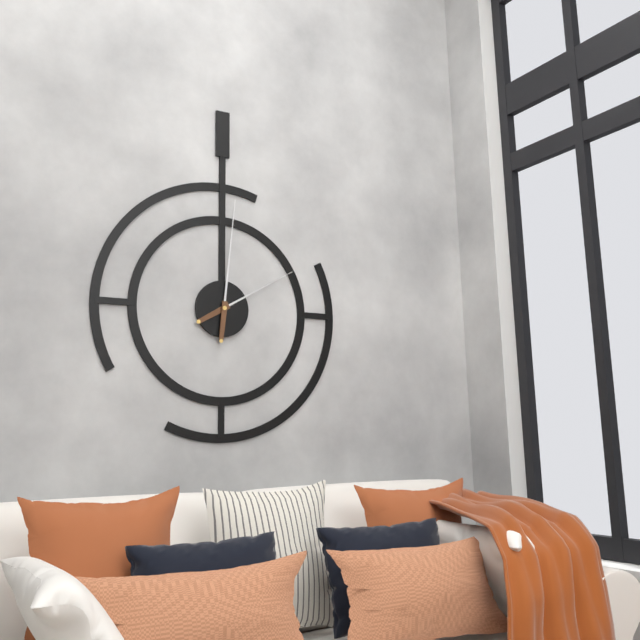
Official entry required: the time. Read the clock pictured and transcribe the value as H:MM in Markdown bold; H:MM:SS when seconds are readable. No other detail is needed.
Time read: **2:01**
